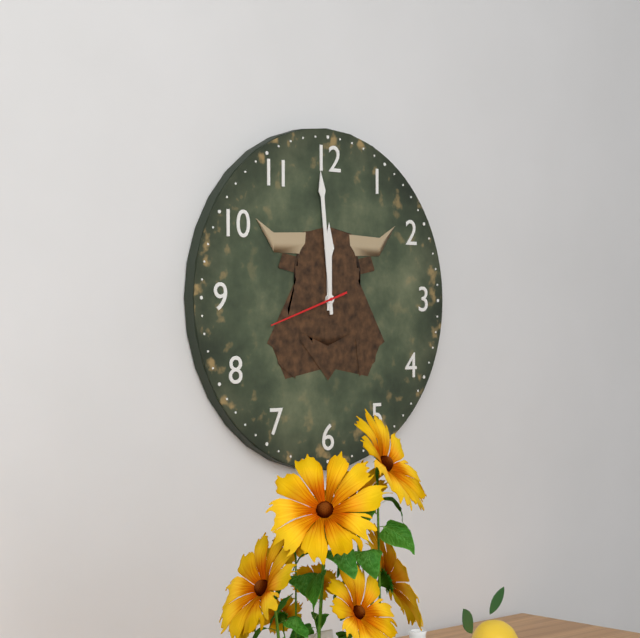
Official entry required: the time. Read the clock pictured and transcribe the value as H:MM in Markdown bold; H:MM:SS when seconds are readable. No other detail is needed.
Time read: **11:59:42**
